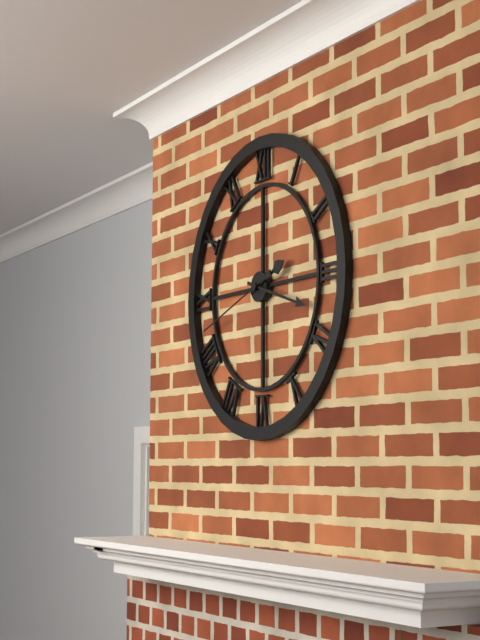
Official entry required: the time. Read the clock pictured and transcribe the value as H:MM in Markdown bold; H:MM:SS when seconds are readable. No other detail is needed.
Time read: **2:18:42**
